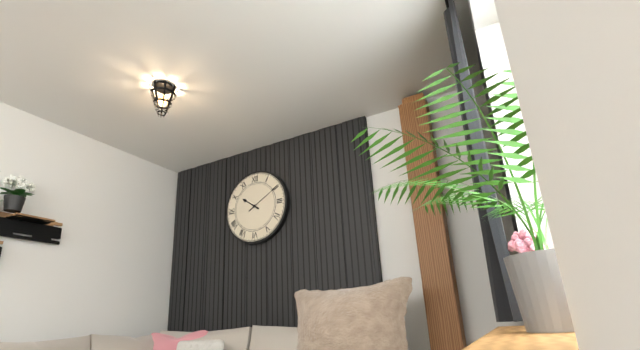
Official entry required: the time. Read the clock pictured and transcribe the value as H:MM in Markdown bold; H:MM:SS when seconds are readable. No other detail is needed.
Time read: **10:10**
